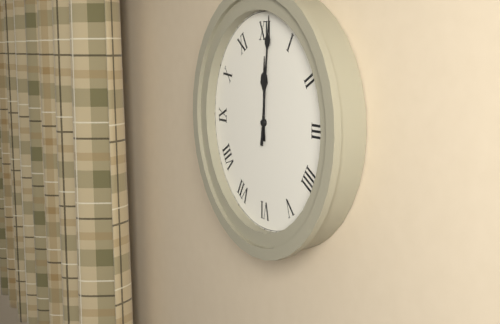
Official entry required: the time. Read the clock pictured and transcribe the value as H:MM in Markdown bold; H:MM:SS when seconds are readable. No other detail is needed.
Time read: **12:01**
